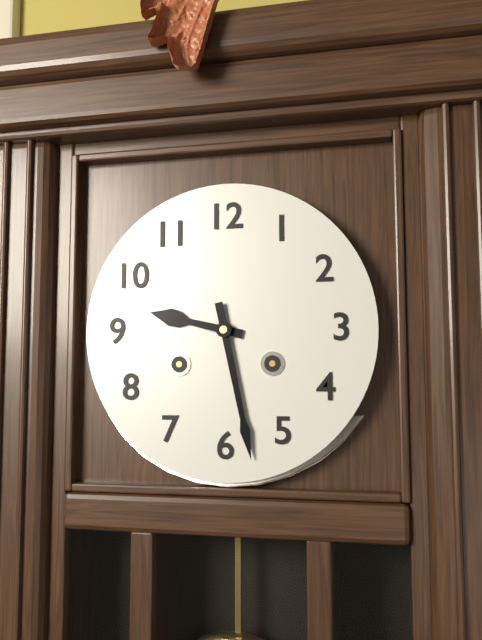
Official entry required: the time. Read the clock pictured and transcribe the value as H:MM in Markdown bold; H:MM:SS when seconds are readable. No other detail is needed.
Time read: **9:28**
